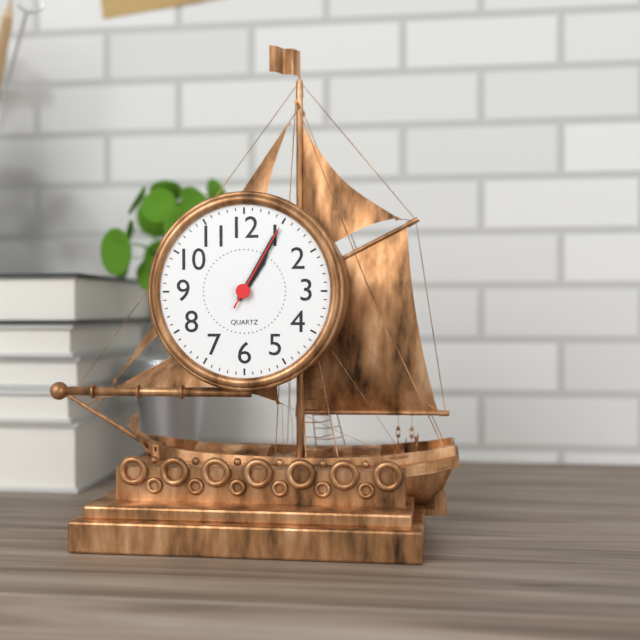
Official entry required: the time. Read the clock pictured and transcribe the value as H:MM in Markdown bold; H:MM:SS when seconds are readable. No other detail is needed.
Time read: **1:05:05**
